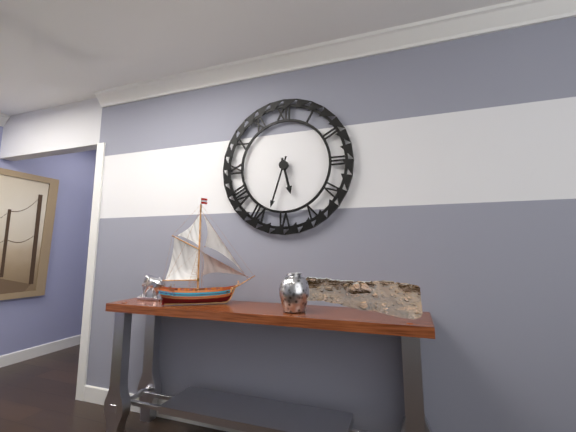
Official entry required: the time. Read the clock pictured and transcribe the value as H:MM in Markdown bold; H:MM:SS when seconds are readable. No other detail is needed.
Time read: **5:33**
